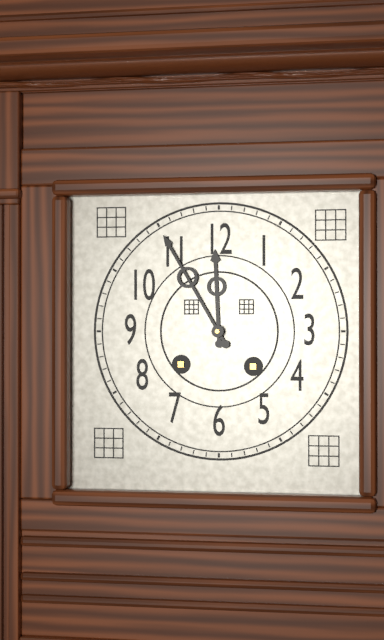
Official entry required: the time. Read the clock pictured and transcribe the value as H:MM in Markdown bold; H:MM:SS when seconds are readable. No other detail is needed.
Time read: **11:55**
